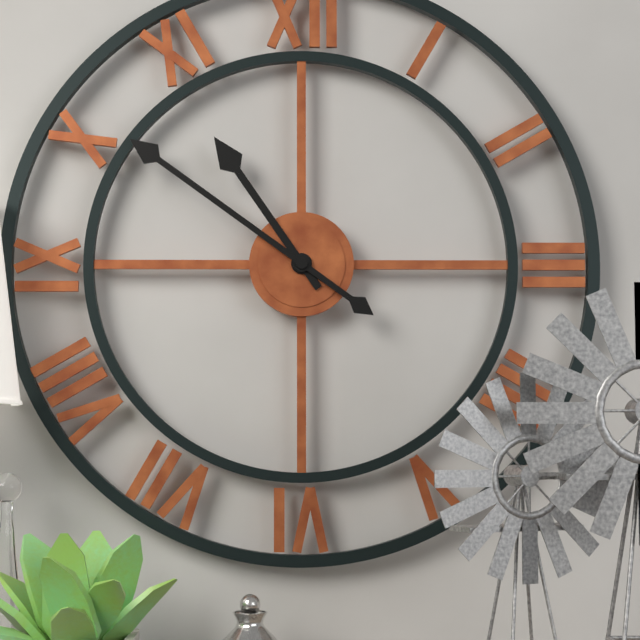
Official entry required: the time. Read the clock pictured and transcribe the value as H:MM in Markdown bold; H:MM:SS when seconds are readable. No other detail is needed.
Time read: **10:51**
